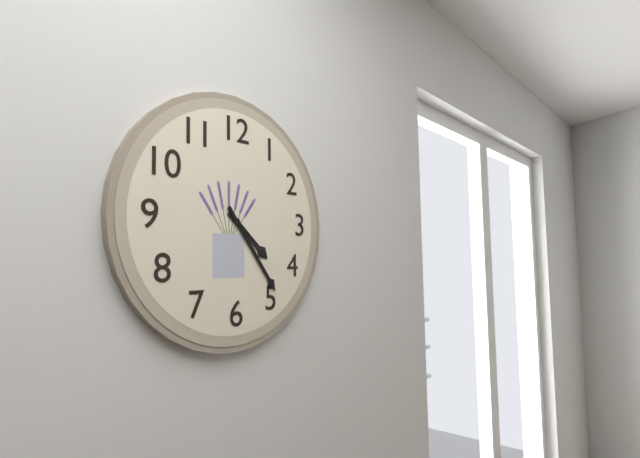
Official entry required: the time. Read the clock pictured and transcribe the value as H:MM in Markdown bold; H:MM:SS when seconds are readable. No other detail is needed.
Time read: **4:24**
